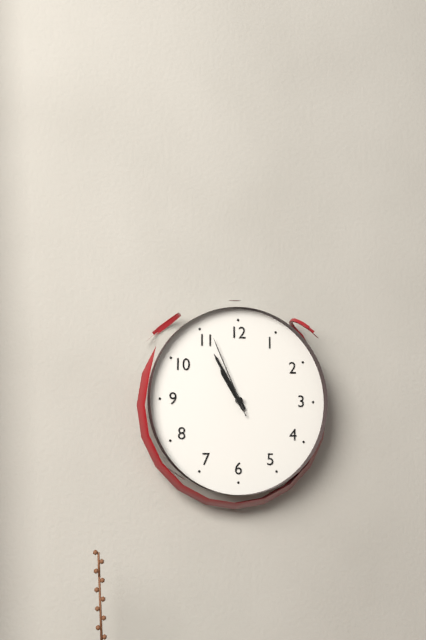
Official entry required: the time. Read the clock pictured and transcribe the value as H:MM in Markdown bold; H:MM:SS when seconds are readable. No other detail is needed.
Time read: **10:55:56**
